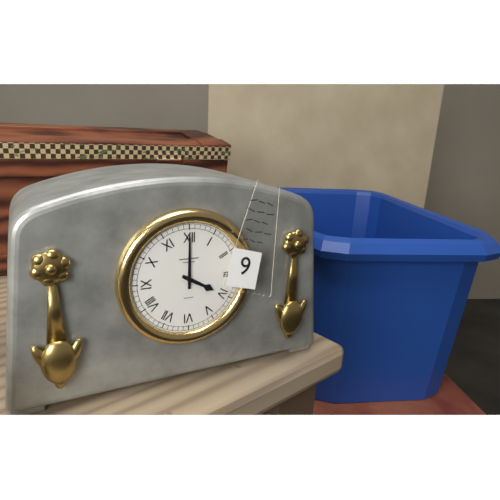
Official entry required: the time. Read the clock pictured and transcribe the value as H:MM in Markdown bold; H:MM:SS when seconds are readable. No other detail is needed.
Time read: **4:00**
